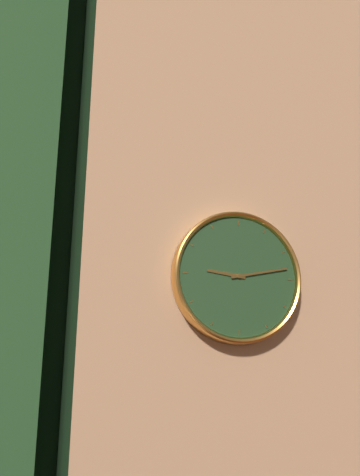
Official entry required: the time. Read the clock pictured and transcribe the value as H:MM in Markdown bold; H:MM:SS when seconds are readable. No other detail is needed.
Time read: **9:13**
